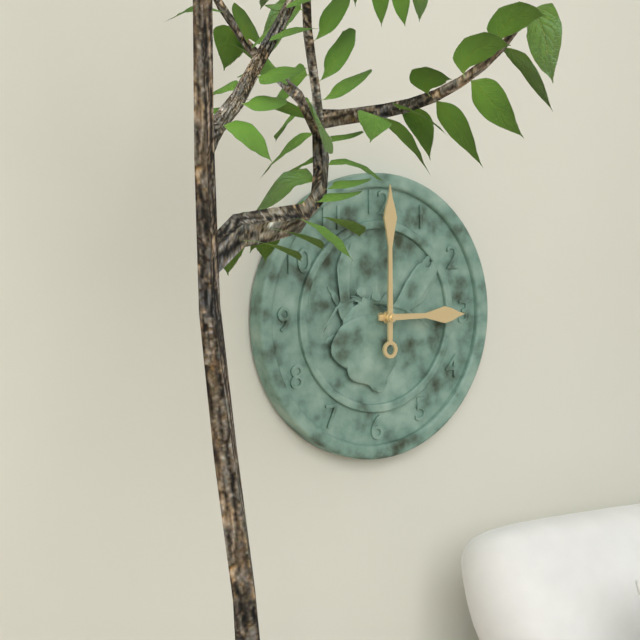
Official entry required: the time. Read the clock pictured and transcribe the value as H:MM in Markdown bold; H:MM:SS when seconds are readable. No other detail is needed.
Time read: **3:00**
